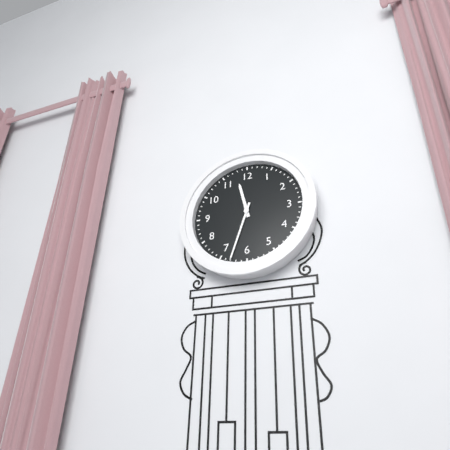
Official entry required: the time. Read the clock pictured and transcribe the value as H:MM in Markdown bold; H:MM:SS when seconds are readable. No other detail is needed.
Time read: **11:33**
